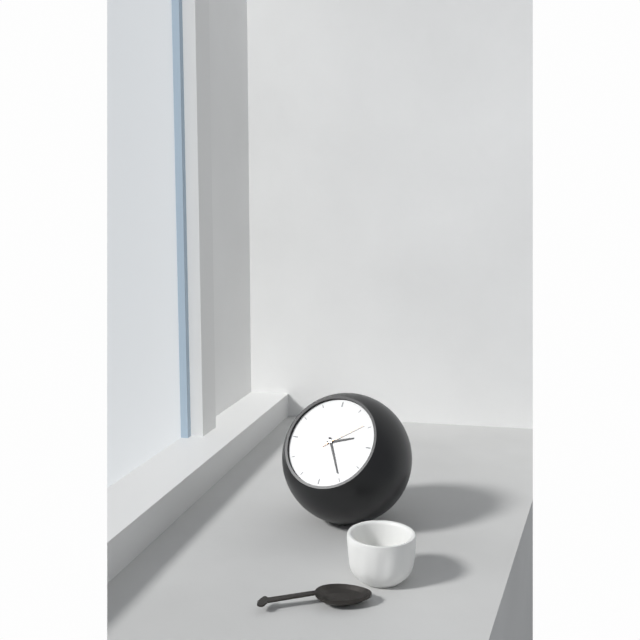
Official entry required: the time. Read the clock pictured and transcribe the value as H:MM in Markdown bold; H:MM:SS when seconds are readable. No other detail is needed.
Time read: **2:25**
